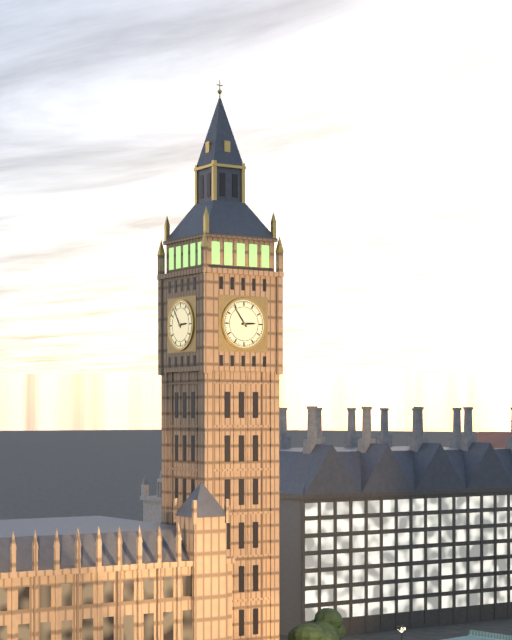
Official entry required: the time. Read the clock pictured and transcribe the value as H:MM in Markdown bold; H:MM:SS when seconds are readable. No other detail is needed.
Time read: **2:54**
